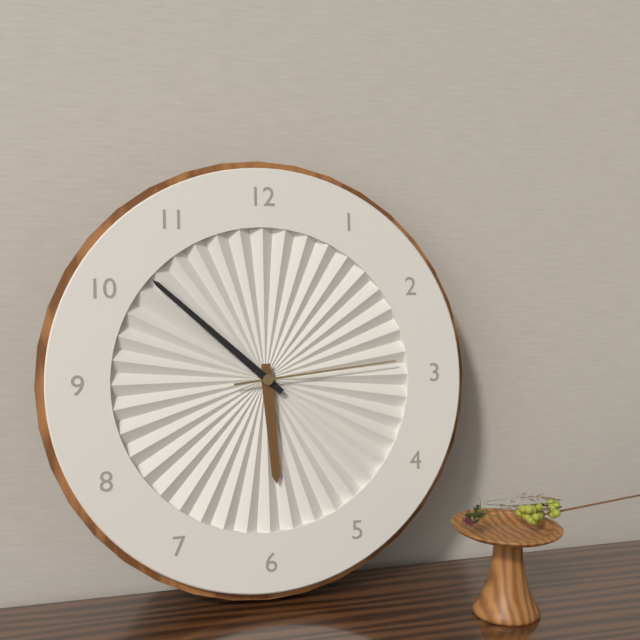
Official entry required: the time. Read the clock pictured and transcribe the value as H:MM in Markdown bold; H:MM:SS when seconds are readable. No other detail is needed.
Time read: **5:52:14**
